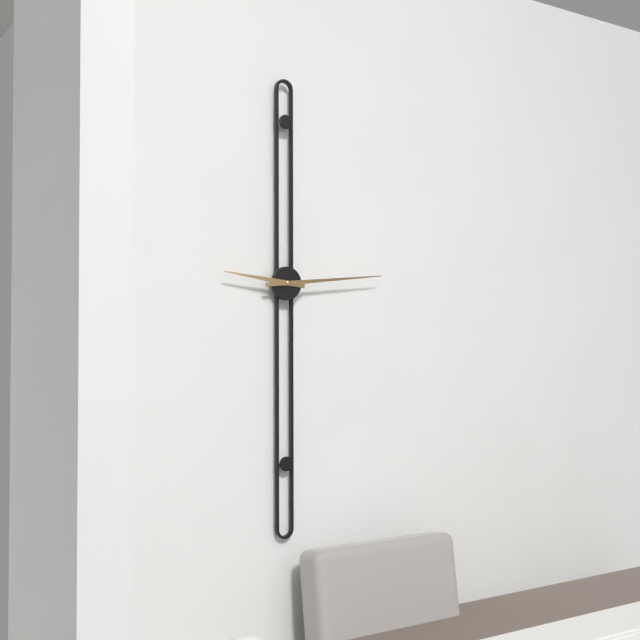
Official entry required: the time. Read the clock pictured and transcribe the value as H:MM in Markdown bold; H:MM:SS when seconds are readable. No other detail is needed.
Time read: **9:14**
